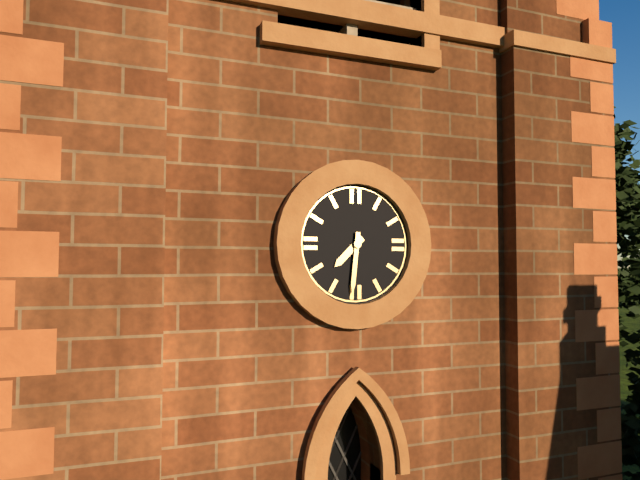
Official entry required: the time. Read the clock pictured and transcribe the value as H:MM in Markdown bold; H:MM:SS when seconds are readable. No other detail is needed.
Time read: **7:31**
